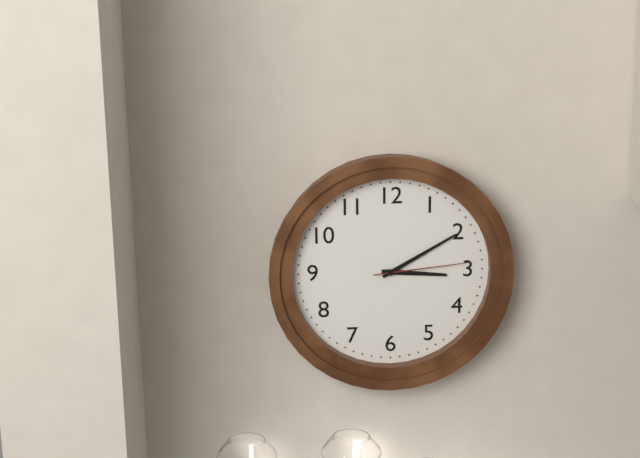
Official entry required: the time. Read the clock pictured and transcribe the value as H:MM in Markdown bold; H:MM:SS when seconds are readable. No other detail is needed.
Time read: **3:10:14**
